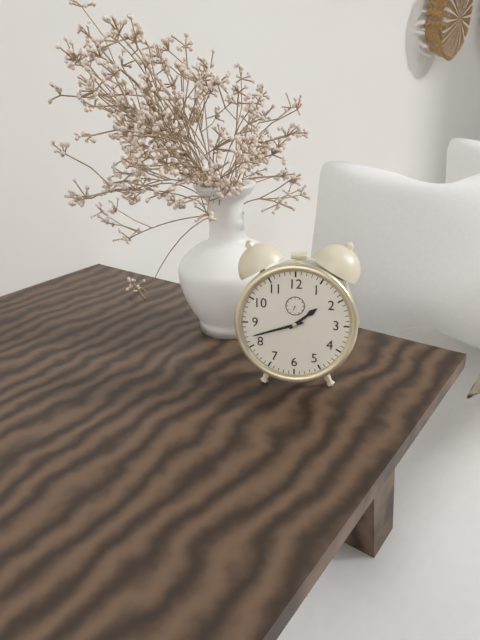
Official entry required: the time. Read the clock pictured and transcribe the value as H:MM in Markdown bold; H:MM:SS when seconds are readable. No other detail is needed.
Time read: **1:42**
